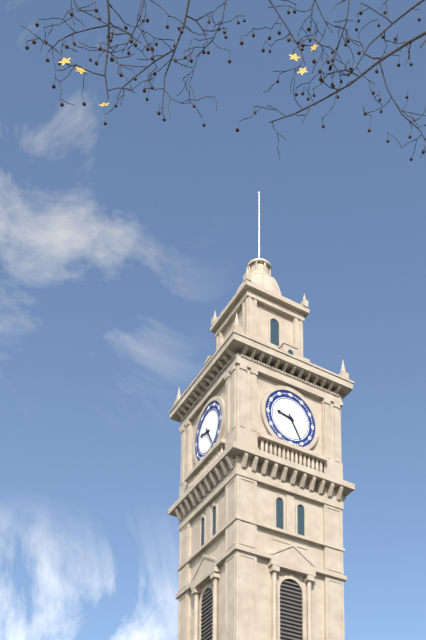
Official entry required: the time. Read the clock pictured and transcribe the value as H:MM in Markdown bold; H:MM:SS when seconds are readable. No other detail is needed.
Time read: **9:25**
